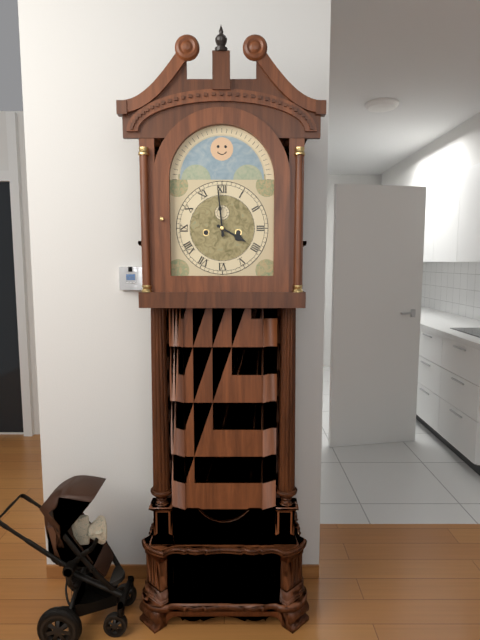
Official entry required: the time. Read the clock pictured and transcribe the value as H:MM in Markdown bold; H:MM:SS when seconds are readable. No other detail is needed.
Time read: **3:59**
